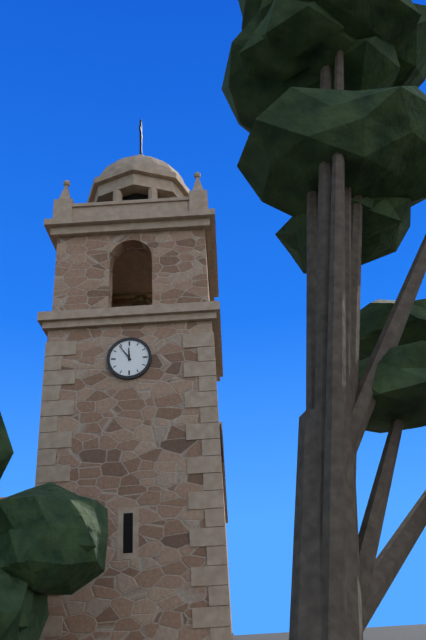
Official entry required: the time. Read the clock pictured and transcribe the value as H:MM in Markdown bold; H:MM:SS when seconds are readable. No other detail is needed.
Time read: **11:54**
